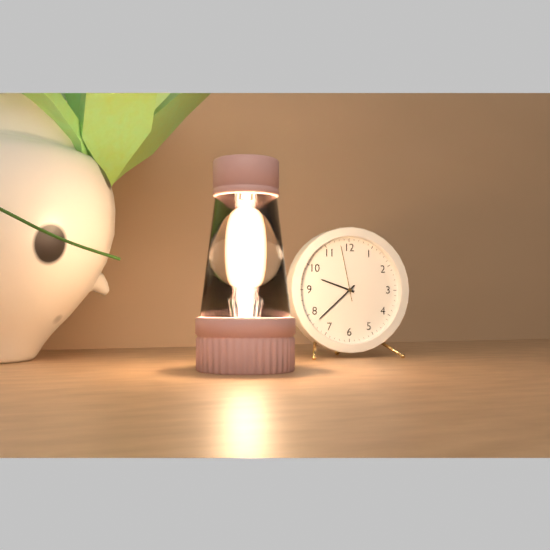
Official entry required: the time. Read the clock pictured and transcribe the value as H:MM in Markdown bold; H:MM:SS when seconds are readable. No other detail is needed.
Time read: **9:38:58**
